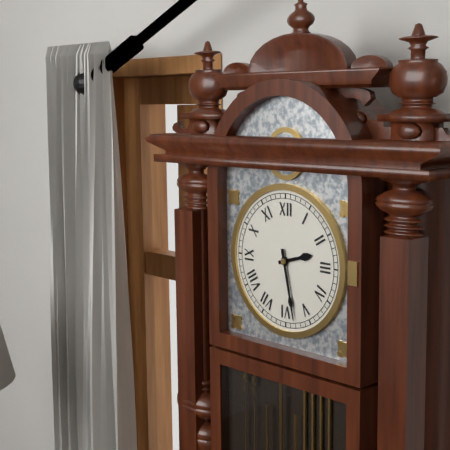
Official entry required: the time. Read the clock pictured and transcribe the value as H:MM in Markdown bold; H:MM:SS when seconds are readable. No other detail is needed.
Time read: **2:28**
